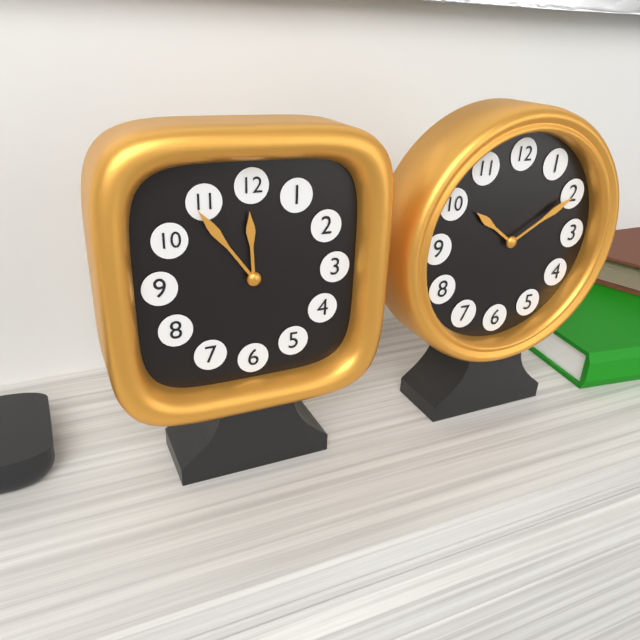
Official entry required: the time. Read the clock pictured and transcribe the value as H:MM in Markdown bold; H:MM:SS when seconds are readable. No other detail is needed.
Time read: **11:54**
